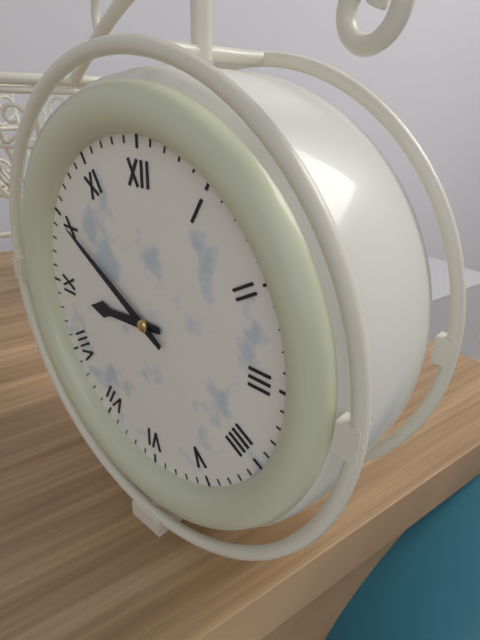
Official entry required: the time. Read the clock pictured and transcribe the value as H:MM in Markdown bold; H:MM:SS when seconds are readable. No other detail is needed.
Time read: **8:50**
